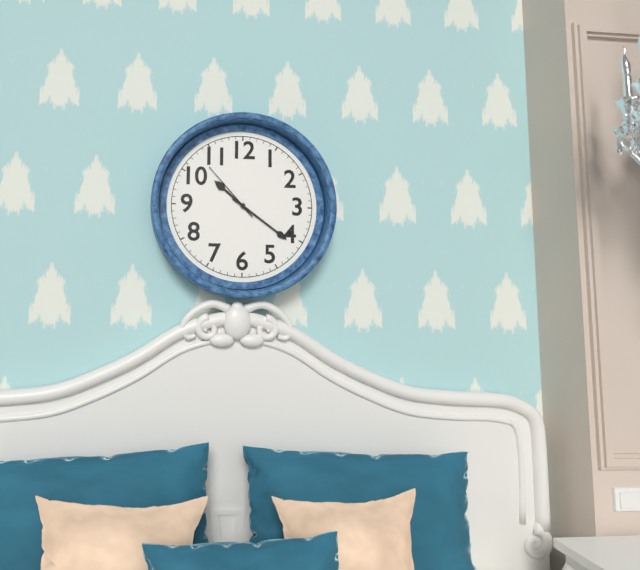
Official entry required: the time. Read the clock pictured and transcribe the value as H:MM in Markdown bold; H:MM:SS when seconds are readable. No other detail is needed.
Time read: **10:21:53**
